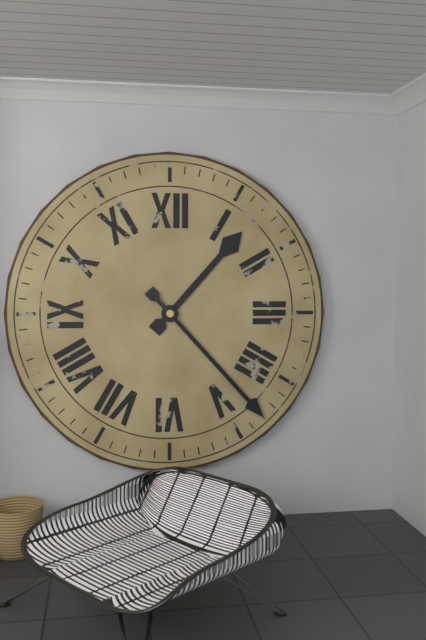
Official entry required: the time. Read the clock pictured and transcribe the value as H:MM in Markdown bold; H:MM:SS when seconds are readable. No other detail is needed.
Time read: **1:23**
